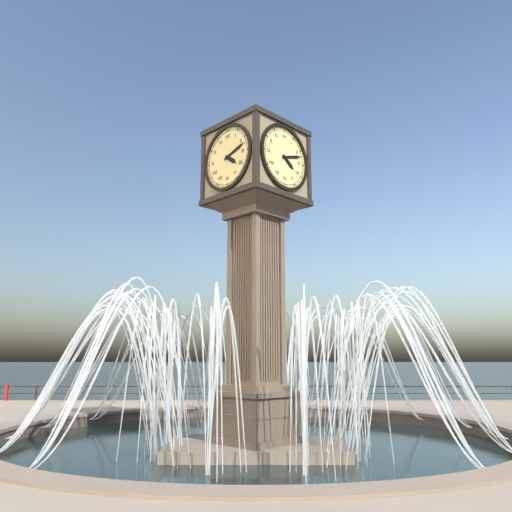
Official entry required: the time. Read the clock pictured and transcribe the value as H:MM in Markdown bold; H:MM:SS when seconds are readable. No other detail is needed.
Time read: **4:12**
